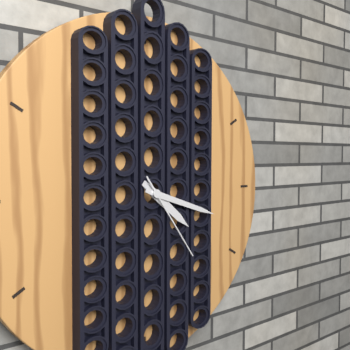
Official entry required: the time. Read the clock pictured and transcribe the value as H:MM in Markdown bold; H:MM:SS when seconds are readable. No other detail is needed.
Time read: **4:18:24**
